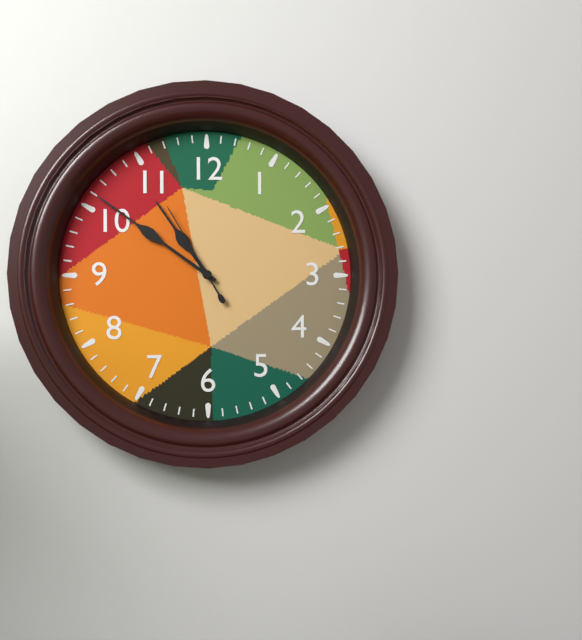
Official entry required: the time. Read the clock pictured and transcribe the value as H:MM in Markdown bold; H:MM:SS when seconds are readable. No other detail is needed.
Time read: **10:51:55**
